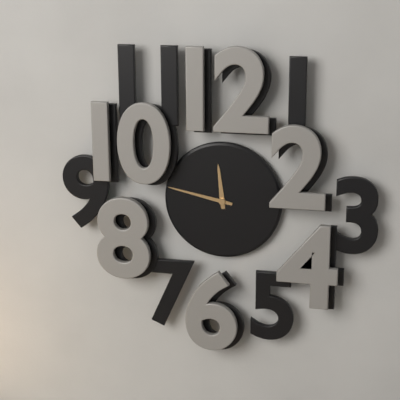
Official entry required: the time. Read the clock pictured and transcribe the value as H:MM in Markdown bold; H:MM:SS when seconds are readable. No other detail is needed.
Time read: **11:47**
